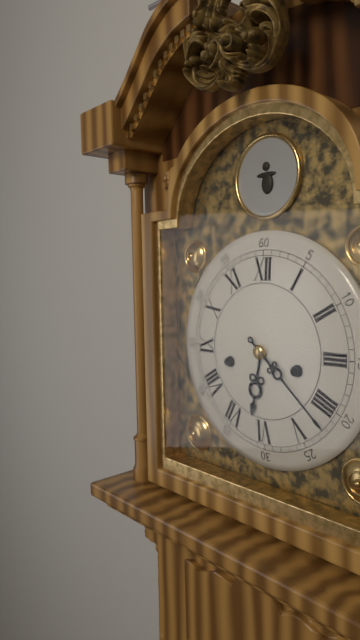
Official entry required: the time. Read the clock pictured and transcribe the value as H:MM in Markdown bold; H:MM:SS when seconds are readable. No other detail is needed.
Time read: **6:22**
